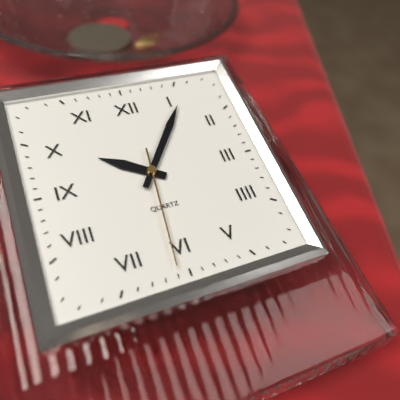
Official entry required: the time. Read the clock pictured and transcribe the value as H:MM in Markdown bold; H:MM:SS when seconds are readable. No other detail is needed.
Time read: **10:06:31**
